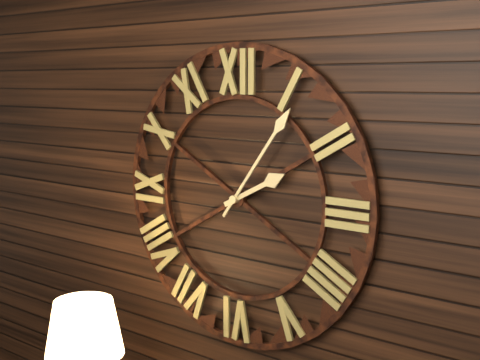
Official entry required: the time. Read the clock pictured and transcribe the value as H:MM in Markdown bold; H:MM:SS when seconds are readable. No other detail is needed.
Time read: **2:06**
